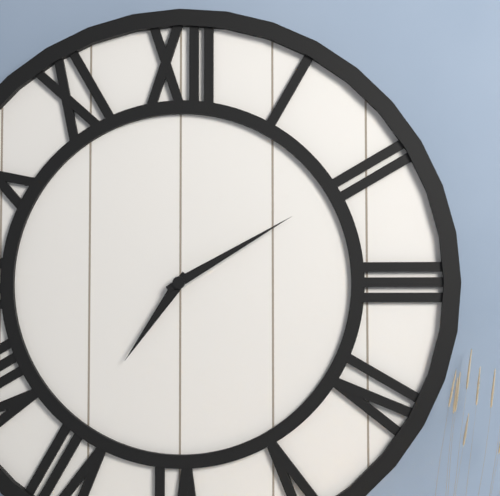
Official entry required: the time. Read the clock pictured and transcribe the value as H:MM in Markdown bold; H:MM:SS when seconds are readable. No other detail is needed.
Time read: **7:10**
